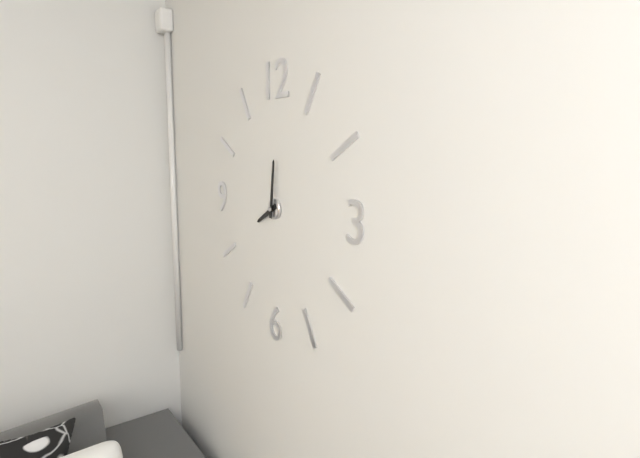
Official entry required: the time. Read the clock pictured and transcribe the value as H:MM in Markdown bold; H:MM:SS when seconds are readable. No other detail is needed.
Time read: **8:01**
